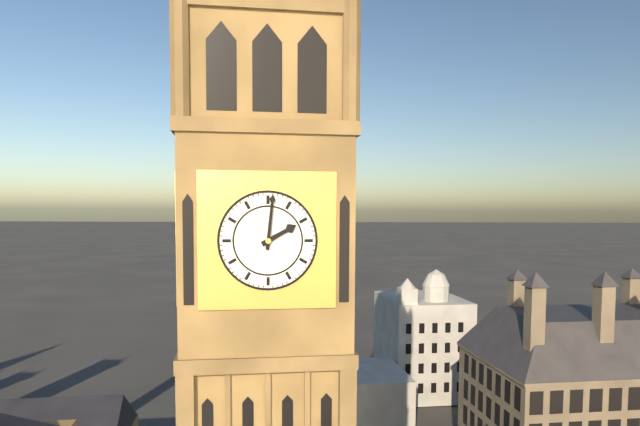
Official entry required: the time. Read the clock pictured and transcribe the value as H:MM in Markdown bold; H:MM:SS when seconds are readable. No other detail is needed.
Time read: **2:01**
